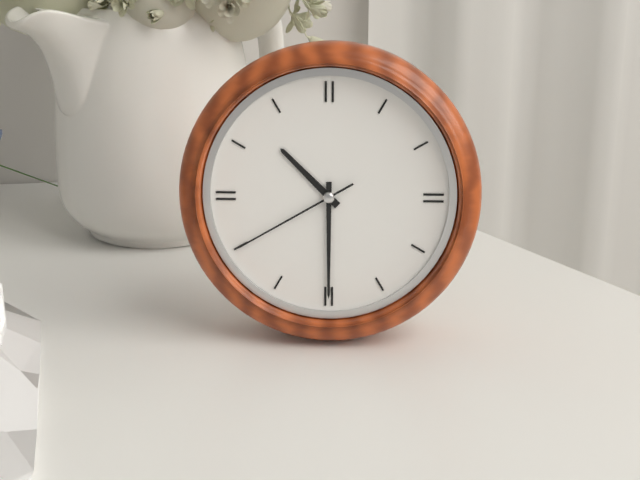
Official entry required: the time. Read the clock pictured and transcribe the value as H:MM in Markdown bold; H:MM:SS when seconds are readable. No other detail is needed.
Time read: **10:30:40**
